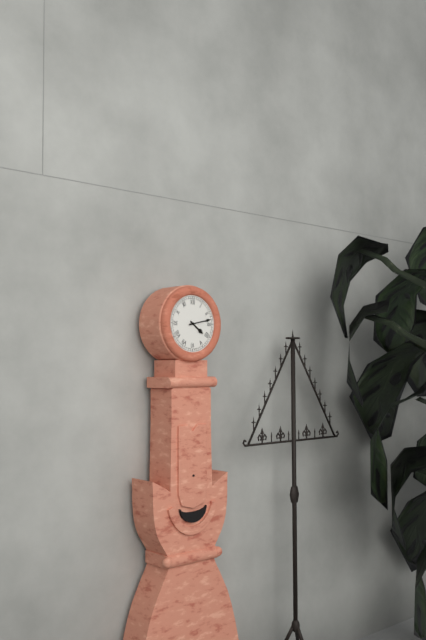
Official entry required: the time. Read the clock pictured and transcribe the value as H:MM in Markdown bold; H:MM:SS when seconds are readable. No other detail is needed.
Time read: **4:13**
